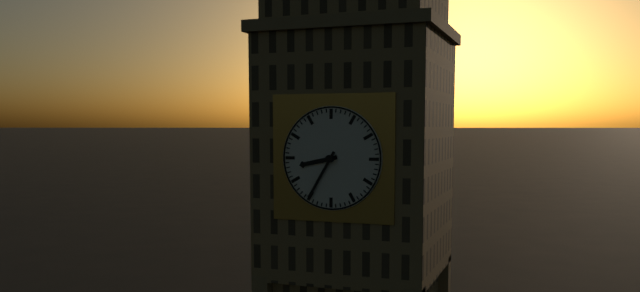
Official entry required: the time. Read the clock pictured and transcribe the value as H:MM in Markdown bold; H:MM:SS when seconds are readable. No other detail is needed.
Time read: **8:35**
